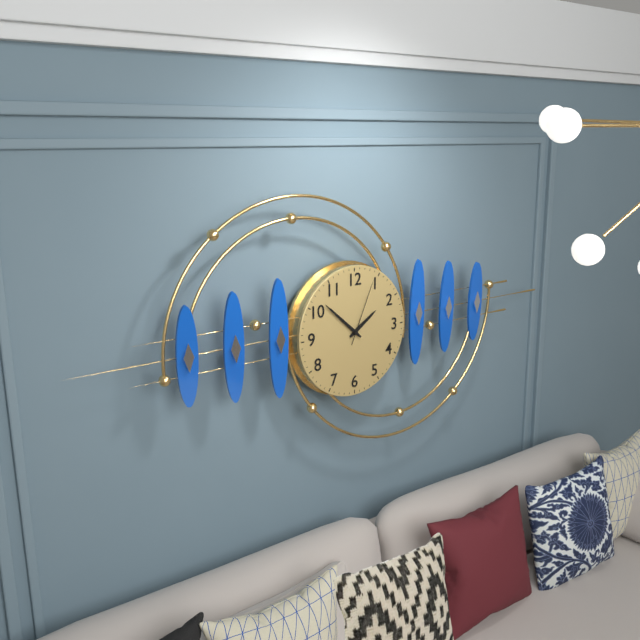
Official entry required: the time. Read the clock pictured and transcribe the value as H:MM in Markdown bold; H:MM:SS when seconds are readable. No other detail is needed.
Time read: **1:52:04**
